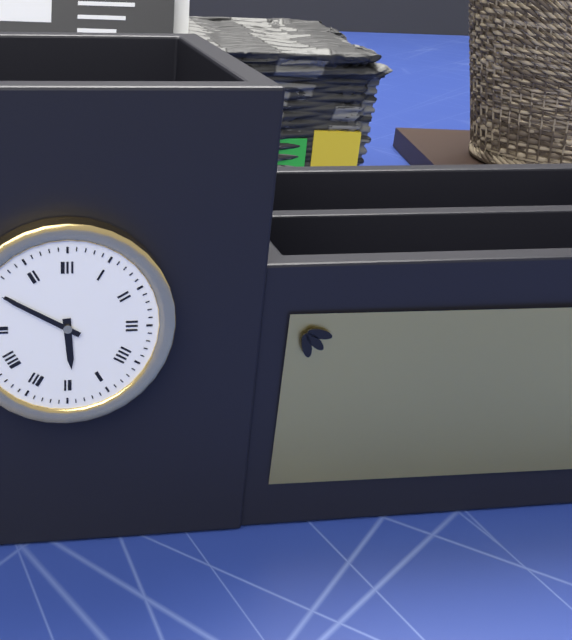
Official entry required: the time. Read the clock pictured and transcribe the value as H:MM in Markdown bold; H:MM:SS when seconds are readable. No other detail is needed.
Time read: **5:50**
